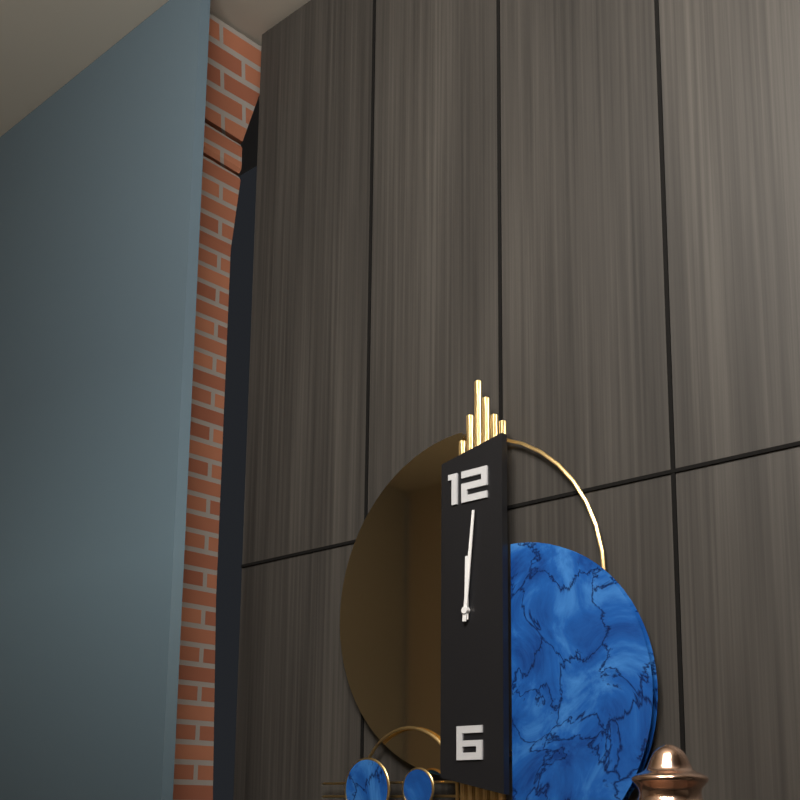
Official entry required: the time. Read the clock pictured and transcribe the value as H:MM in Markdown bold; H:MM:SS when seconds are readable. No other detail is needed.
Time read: **12:01**
